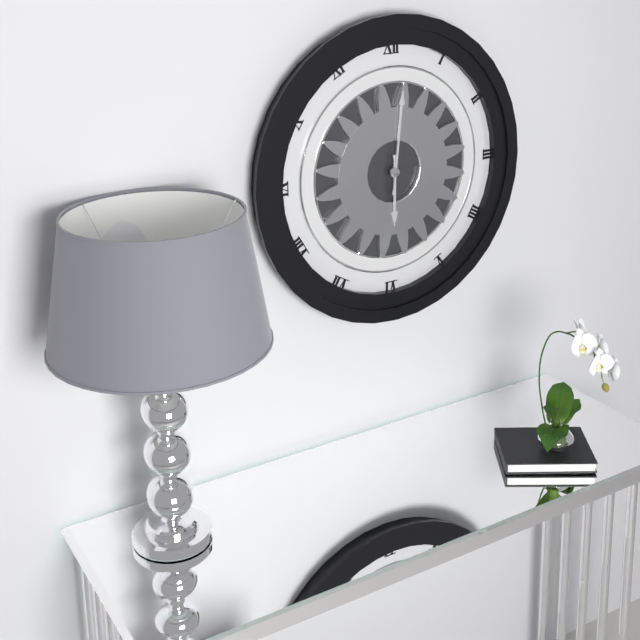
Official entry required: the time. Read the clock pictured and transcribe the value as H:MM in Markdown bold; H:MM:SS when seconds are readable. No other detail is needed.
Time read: **6:01**
